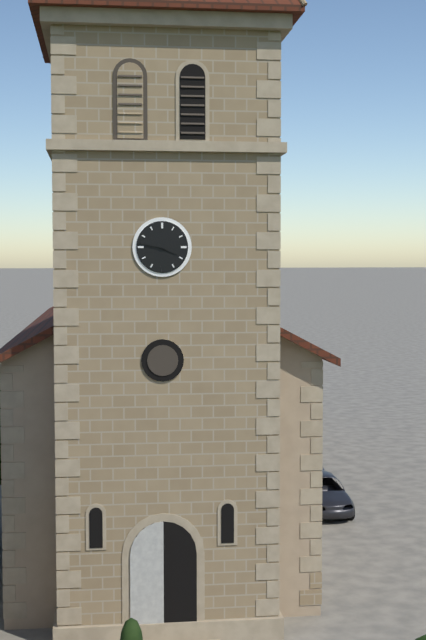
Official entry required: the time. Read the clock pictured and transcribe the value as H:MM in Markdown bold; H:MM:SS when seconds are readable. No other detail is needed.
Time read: **3:47**
